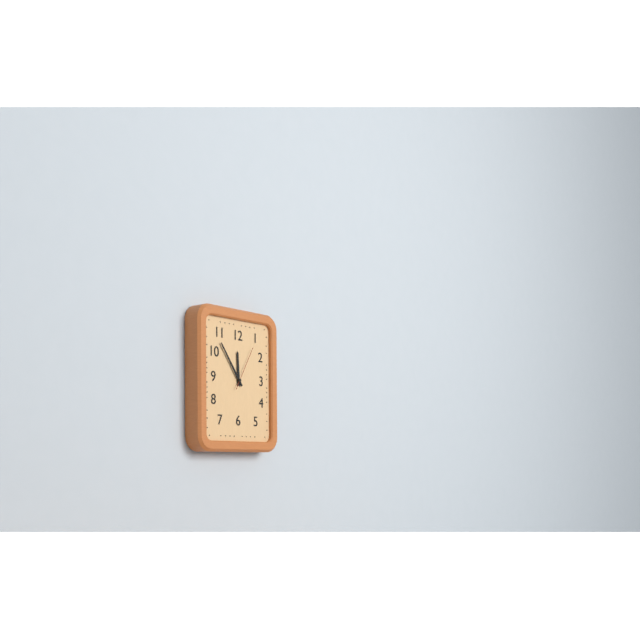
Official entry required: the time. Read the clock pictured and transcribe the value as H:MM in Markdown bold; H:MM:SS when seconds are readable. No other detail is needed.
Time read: **11:54**
